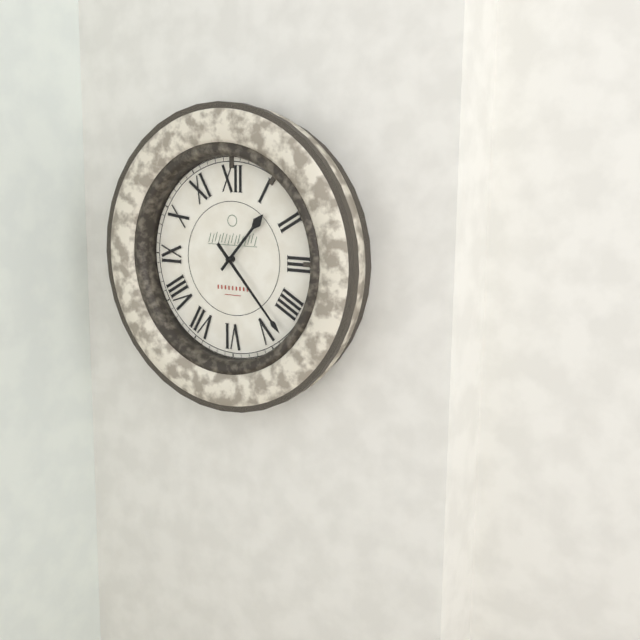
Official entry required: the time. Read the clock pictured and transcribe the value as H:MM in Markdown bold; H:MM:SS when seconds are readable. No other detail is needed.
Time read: **1:23**
